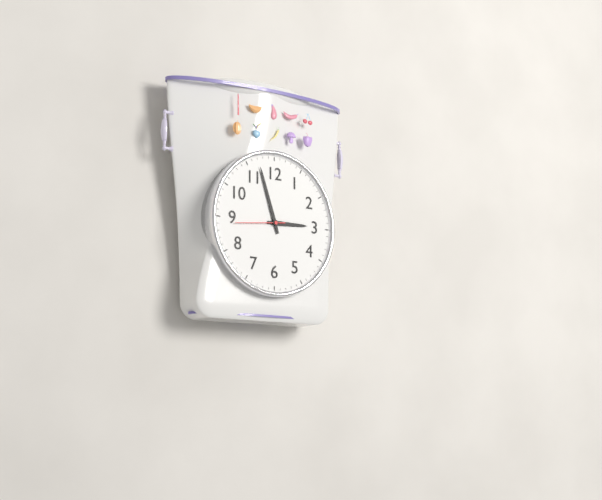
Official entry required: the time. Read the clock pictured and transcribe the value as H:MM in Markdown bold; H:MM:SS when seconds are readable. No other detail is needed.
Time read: **2:57**
